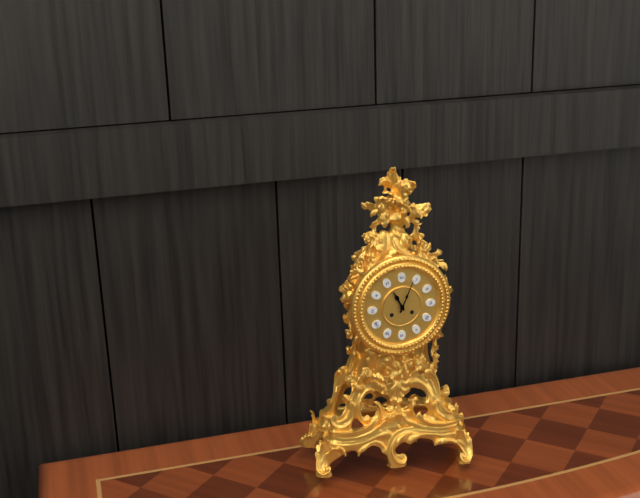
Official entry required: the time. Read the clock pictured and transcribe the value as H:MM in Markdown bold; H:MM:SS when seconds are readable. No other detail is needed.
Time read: **11:04**
